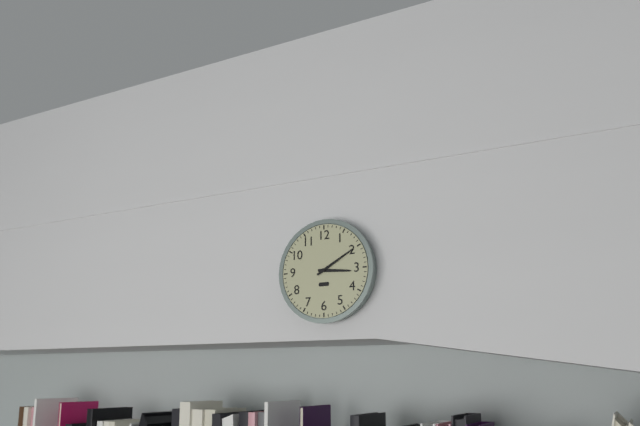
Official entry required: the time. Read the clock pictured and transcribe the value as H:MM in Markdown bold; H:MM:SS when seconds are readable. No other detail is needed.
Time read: **3:10**
